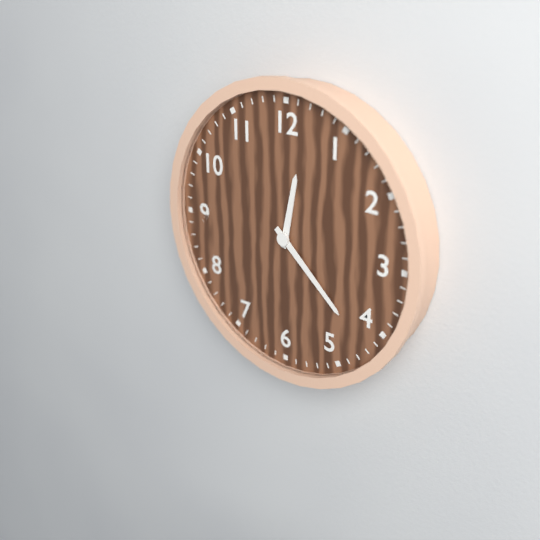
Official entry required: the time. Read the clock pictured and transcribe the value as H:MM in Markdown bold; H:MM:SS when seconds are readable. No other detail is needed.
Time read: **12:22**
